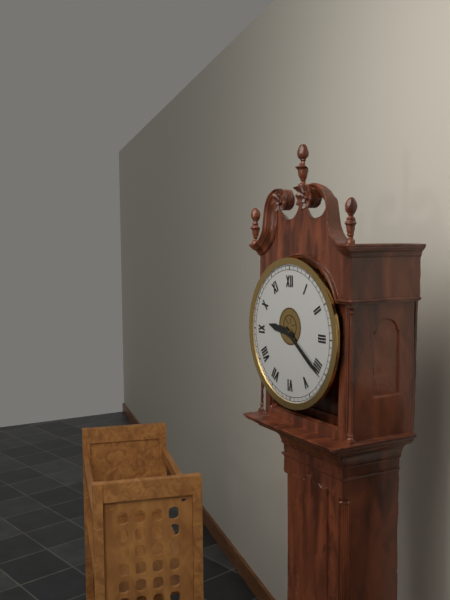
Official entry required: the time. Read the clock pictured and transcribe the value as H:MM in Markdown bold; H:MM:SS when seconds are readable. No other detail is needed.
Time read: **9:21**
